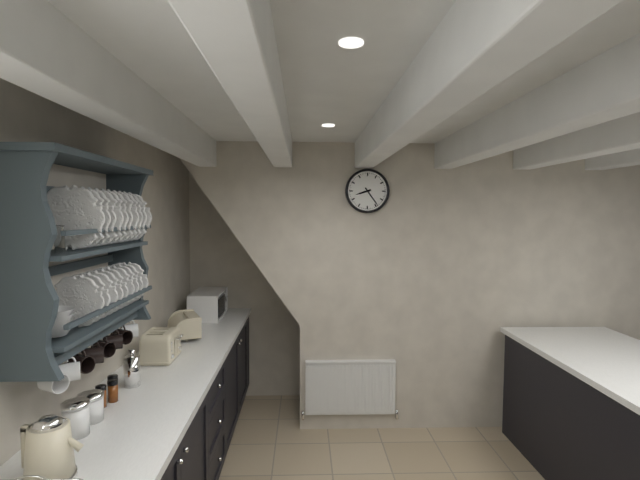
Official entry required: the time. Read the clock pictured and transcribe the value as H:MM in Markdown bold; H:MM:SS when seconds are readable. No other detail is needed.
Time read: **8:24**
